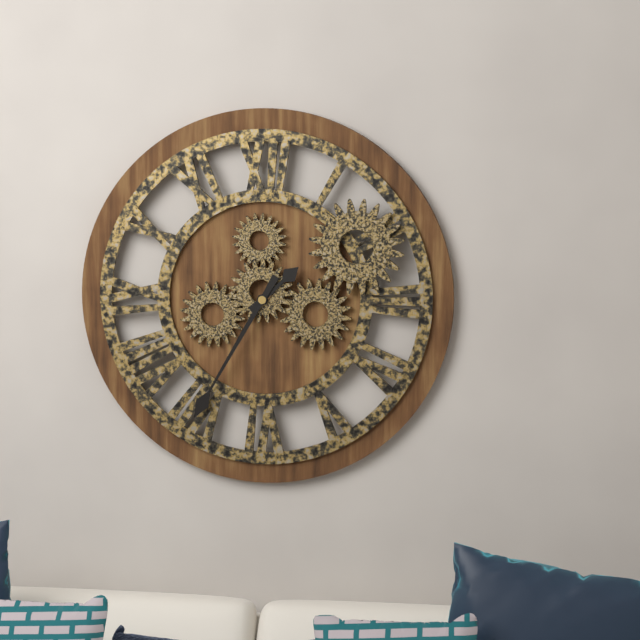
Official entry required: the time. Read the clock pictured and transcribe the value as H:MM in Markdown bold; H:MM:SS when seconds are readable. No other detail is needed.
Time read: **1:35**
